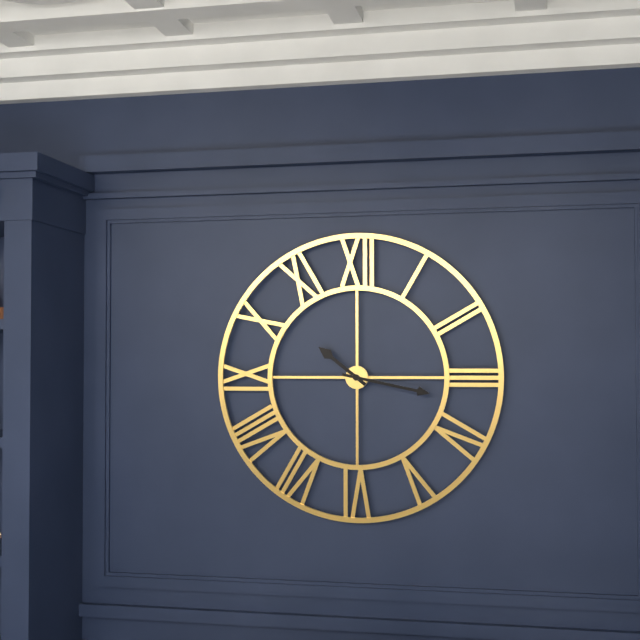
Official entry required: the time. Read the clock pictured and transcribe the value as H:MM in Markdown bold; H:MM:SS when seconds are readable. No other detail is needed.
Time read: **10:17**
